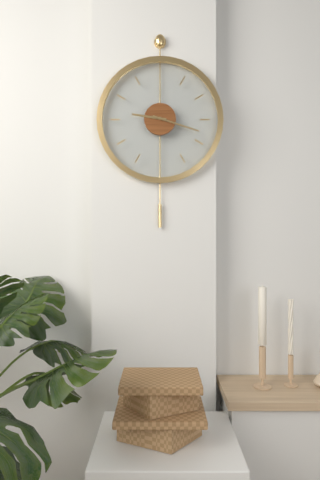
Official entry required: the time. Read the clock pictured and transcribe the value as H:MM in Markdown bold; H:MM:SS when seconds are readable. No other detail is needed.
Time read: **9:18**
